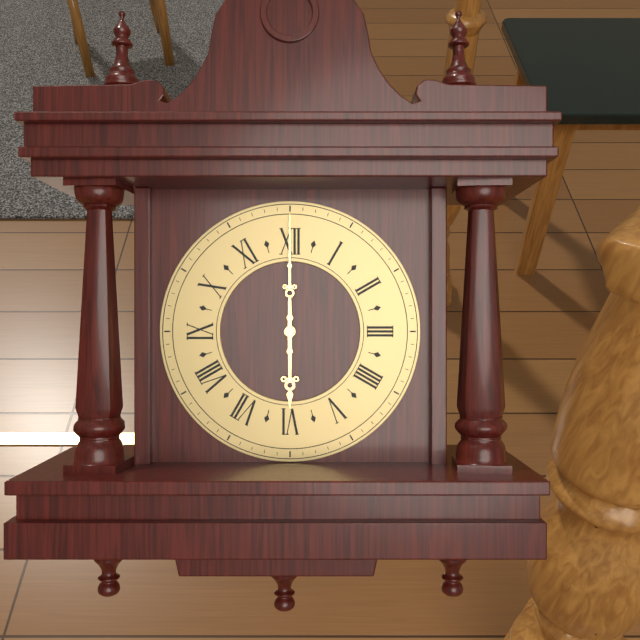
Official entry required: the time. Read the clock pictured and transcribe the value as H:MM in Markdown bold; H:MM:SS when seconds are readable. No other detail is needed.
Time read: **6:00**
